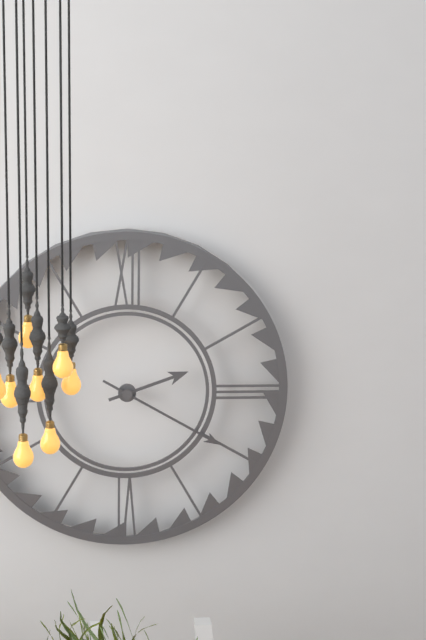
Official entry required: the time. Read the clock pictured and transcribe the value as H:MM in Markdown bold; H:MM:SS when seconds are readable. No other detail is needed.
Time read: **2:20**
